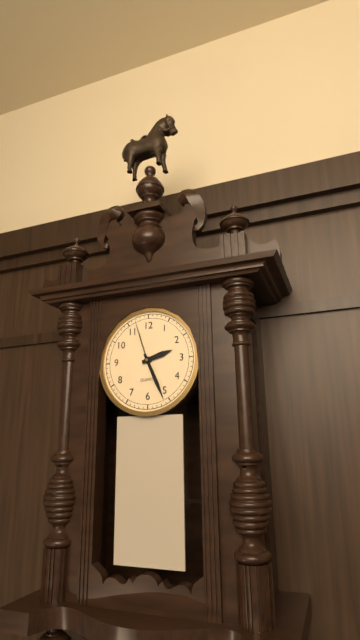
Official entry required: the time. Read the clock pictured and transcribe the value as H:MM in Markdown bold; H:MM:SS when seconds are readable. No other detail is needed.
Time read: **2:26:57**
